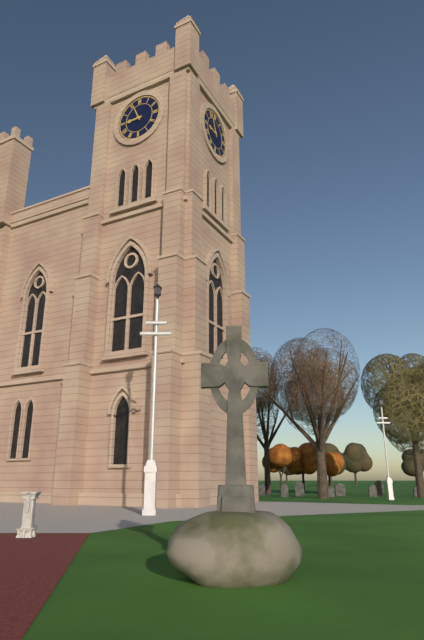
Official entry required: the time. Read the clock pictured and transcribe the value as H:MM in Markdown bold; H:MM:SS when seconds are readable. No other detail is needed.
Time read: **8:56**
